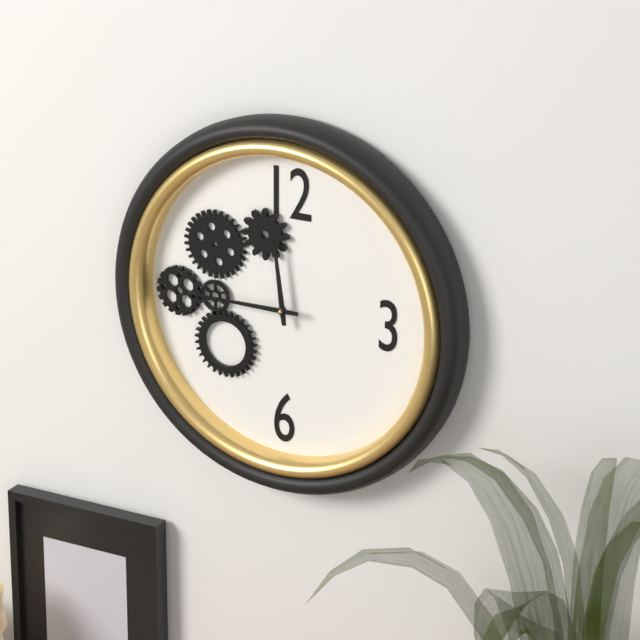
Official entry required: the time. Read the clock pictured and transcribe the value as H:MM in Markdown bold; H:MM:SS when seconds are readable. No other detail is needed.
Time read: **11:45**
